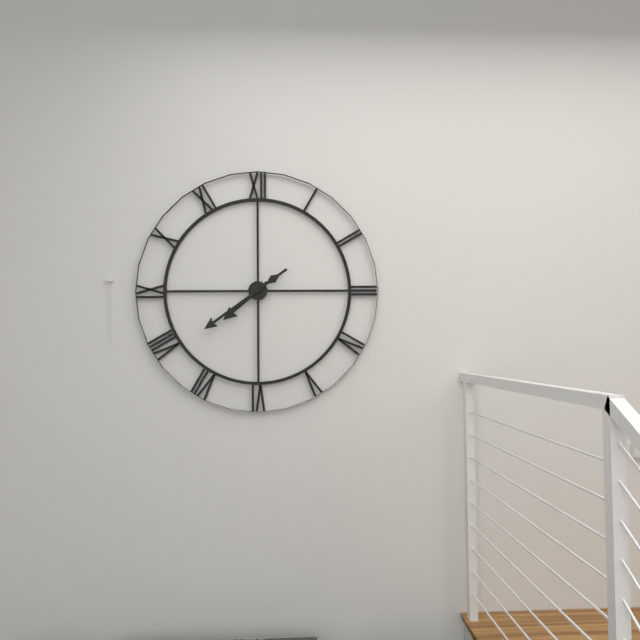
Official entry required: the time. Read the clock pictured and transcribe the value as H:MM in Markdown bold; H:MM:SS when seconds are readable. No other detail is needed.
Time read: **7:39**
